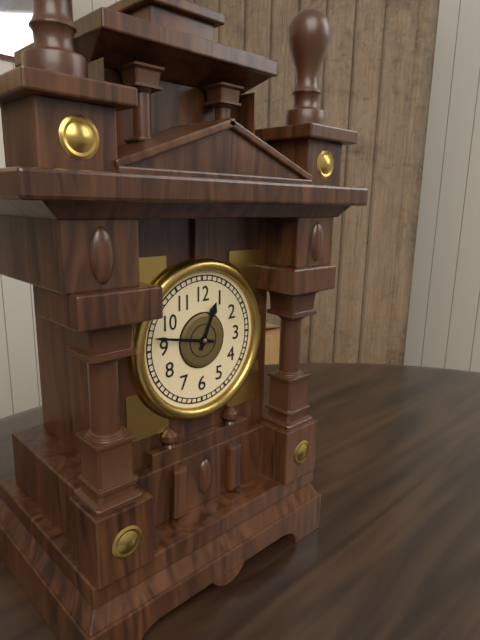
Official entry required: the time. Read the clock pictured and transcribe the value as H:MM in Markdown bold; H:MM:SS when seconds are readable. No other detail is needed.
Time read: **12:47**
